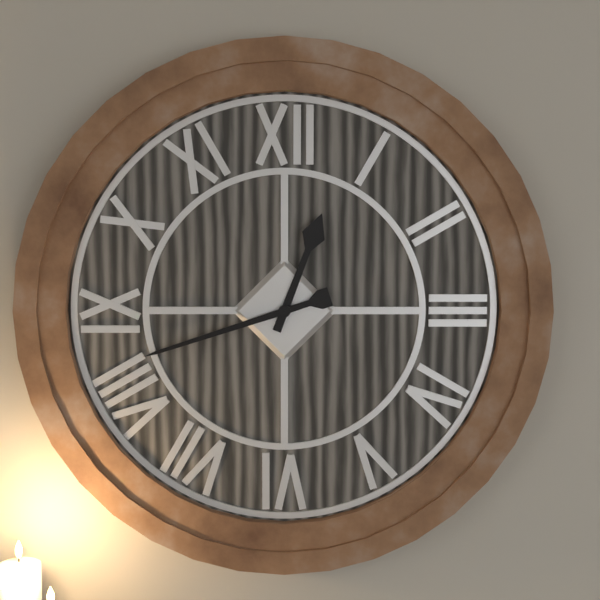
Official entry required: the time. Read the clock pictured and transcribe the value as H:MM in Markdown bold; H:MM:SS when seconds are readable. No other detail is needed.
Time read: **12:42**
